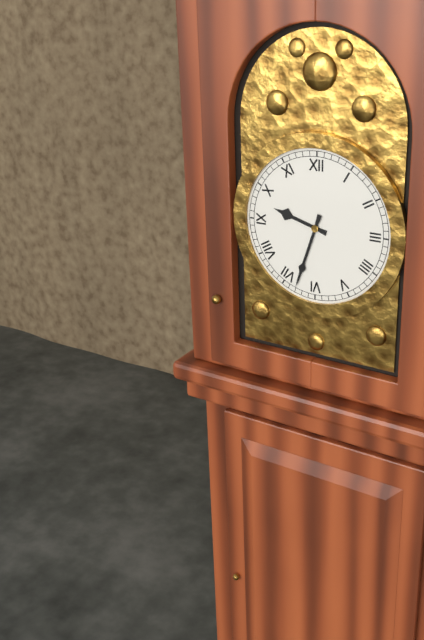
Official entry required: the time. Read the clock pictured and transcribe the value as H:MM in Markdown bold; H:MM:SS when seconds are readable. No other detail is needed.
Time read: **9:33**
